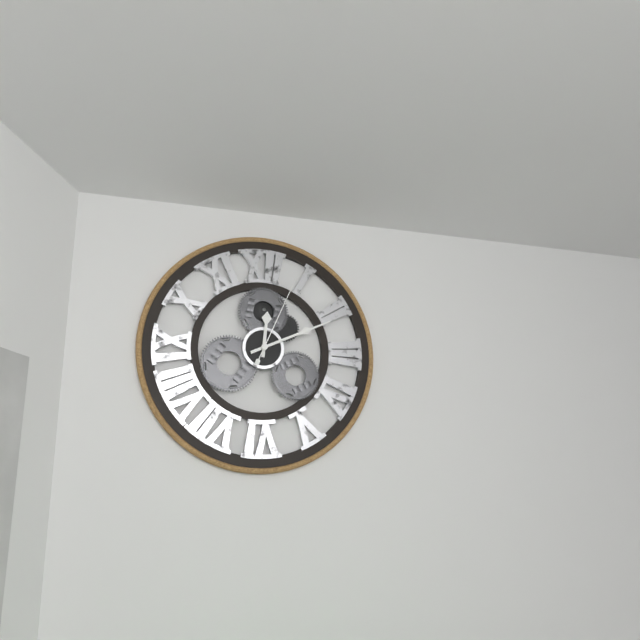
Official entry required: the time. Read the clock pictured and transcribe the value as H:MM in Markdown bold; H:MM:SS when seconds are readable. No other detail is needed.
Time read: **12:11:04**
